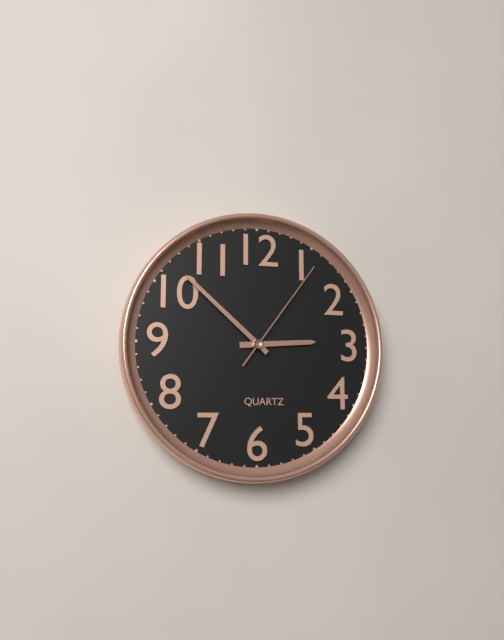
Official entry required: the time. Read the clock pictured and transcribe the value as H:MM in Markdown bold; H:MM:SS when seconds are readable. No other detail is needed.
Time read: **2:52:06**
